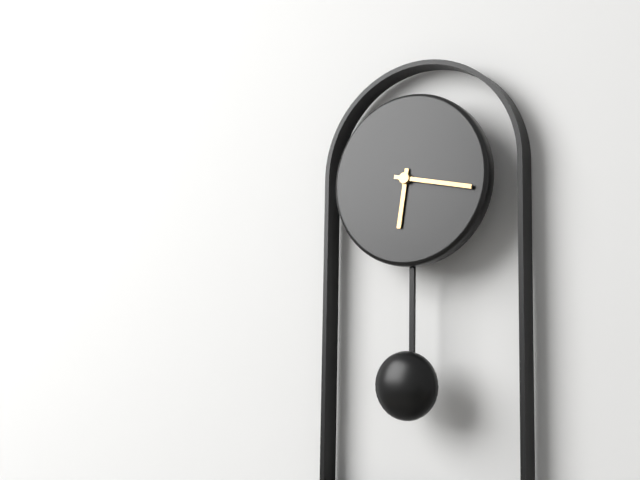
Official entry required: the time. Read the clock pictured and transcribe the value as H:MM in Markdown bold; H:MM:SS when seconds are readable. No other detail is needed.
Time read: **6:17**
